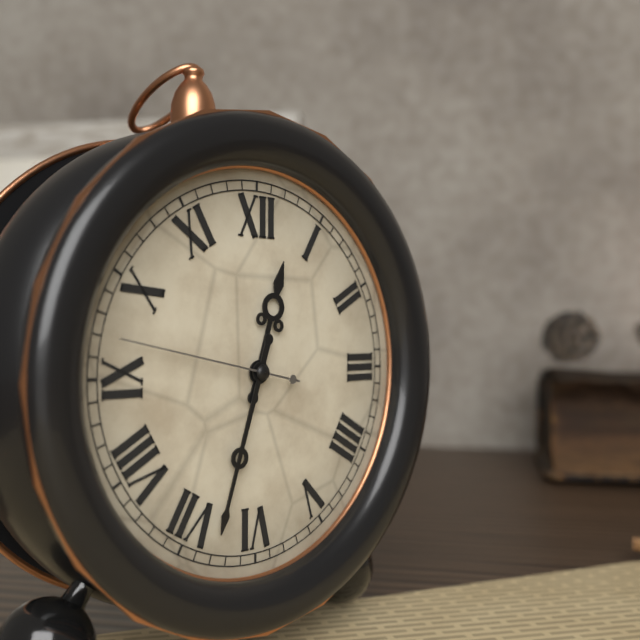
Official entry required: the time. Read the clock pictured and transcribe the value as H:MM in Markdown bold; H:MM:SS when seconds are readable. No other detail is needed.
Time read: **12:33:47**
